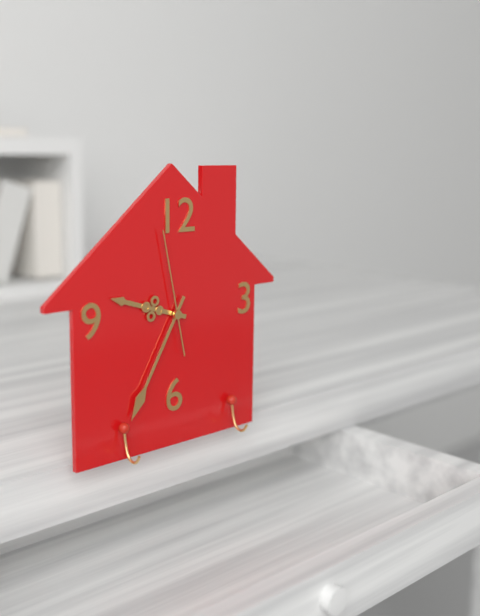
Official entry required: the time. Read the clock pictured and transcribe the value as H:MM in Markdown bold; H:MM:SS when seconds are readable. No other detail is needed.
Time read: **9:35:58**
